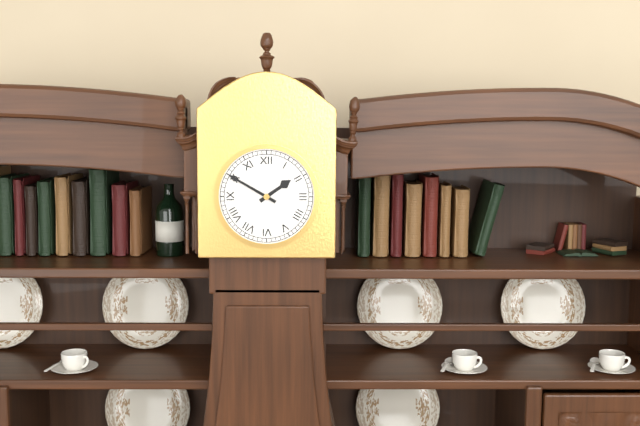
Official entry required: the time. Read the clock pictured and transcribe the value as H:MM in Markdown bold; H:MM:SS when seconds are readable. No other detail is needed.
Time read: **1:50**
